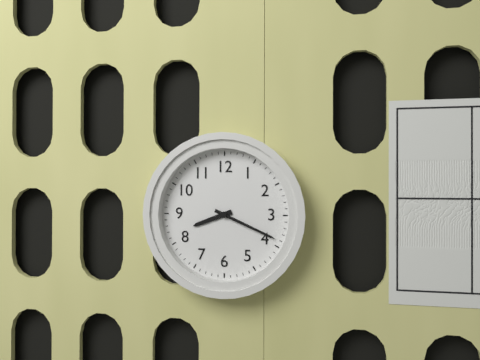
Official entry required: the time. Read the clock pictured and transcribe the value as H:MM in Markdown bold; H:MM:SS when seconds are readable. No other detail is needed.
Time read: **8:19**
